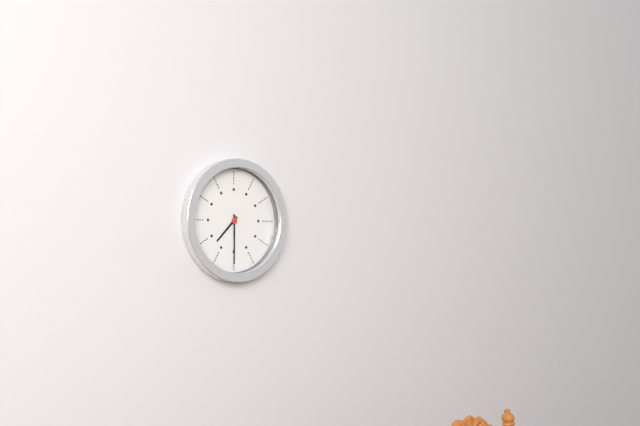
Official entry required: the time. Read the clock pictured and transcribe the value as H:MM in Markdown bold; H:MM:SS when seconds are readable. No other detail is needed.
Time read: **7:30**
